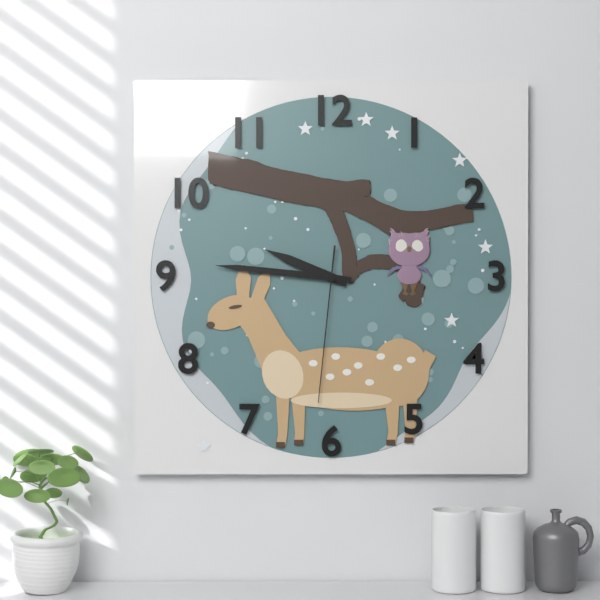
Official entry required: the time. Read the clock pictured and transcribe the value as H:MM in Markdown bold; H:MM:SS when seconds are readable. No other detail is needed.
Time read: **9:46:31**
